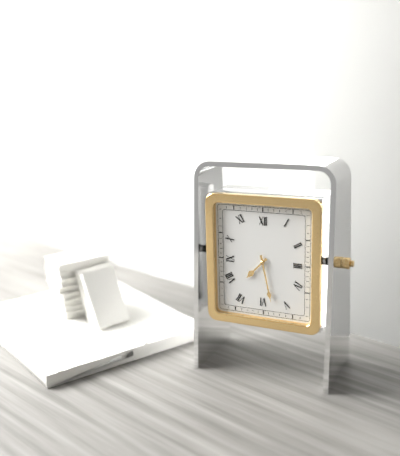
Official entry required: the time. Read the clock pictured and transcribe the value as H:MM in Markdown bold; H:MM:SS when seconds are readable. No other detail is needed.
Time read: **7:28**
